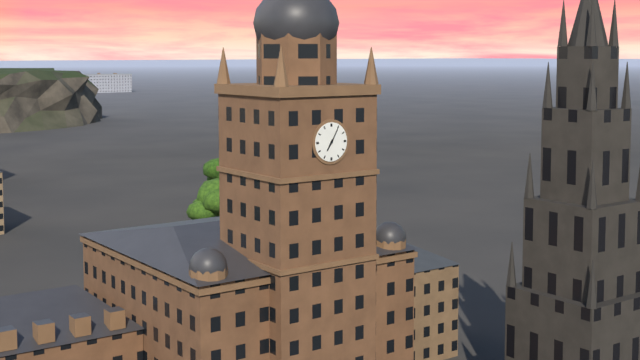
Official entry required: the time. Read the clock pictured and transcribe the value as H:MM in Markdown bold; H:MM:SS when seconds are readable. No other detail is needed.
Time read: **7:05**
